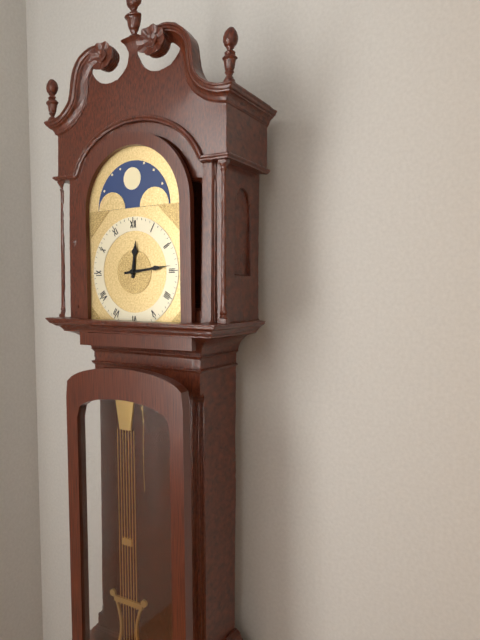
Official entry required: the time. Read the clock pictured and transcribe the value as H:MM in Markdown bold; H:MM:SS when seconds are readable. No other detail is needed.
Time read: **12:14**
